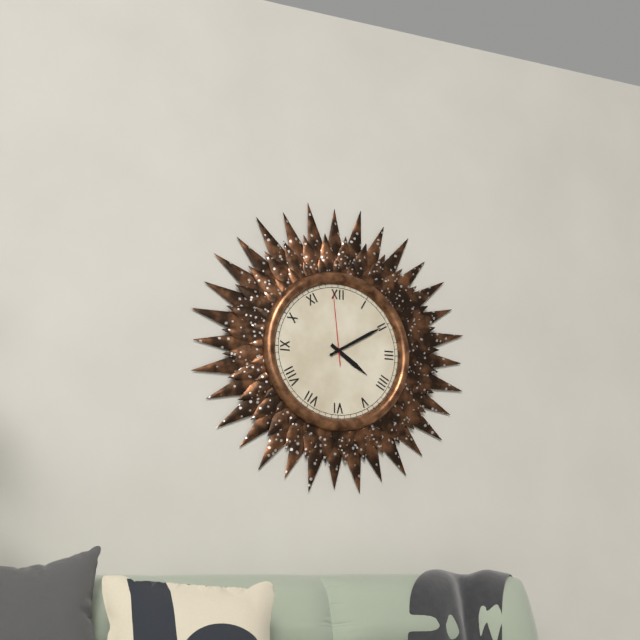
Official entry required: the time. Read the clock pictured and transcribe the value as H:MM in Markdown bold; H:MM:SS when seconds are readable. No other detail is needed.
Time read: **4:10:59**
